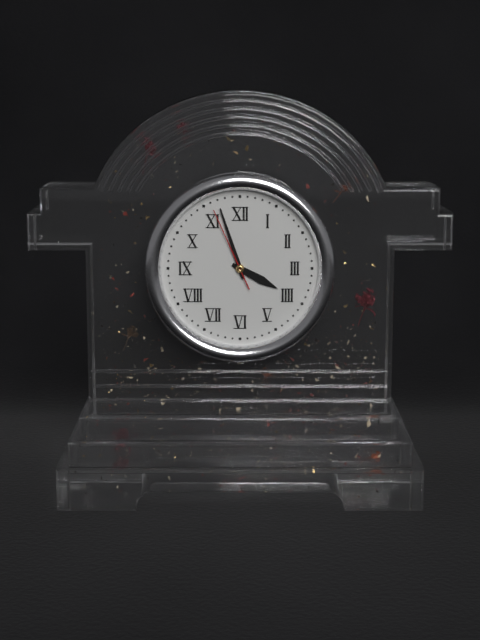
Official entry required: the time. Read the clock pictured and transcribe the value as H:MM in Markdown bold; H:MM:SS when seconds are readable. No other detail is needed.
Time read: **3:57:56**
